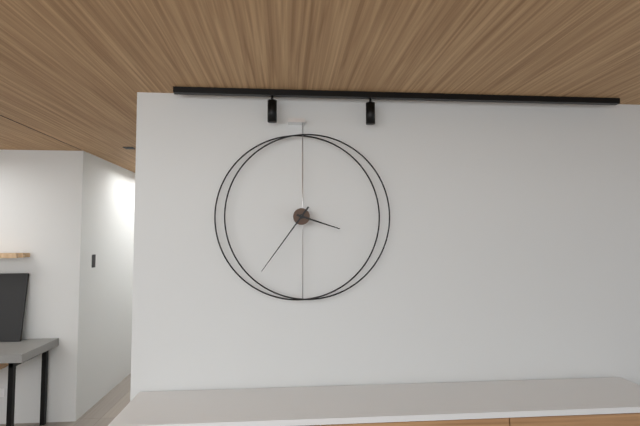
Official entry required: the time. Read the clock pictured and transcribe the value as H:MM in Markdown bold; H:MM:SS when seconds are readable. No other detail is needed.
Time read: **3:36**
